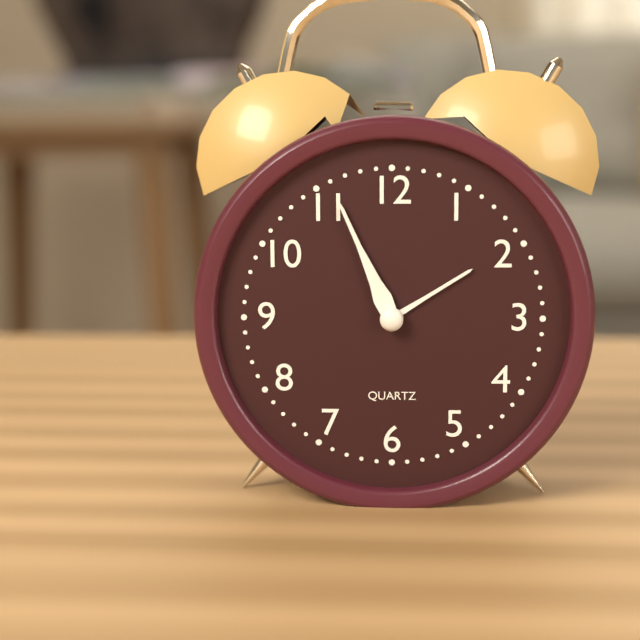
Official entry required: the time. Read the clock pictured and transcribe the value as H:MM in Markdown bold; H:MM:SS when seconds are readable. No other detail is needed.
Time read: **1:56**
